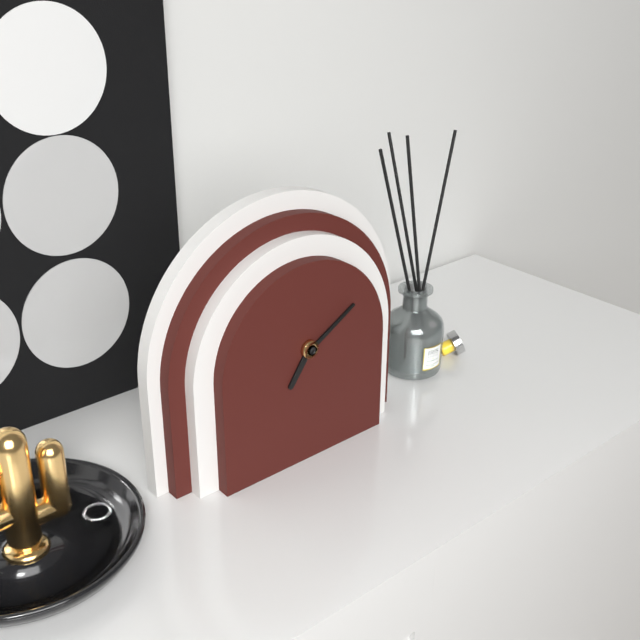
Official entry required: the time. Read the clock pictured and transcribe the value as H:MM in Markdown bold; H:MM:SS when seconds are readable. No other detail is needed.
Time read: **7:10**
